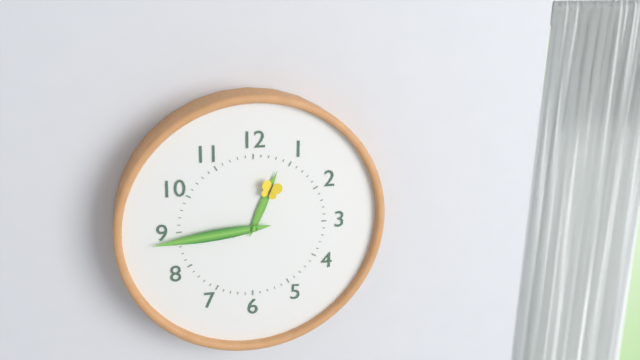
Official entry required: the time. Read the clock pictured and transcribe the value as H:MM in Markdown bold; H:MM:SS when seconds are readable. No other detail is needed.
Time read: **12:44**
